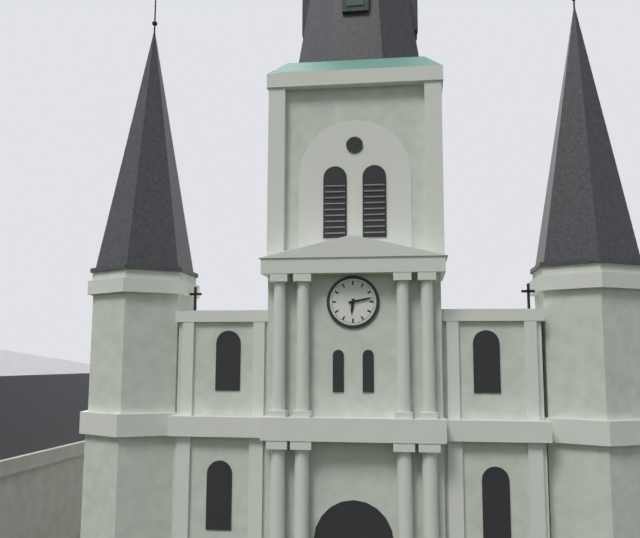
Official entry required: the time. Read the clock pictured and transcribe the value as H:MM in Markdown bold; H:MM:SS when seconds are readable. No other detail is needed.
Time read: **6:13**
